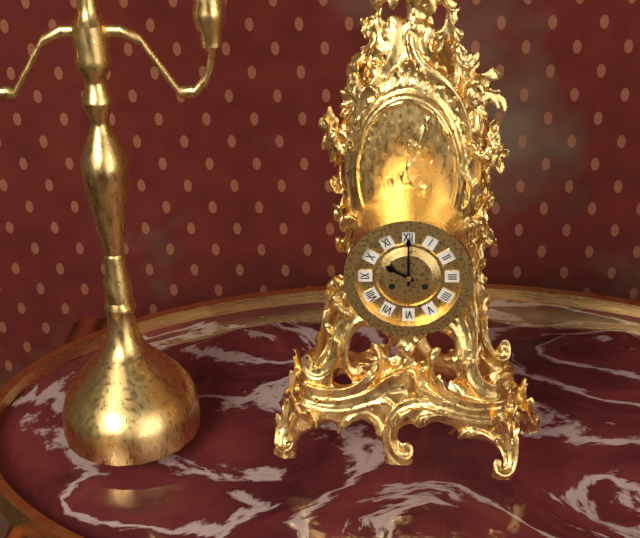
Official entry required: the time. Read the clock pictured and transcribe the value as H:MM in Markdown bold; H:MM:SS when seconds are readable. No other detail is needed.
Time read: **10:00**
